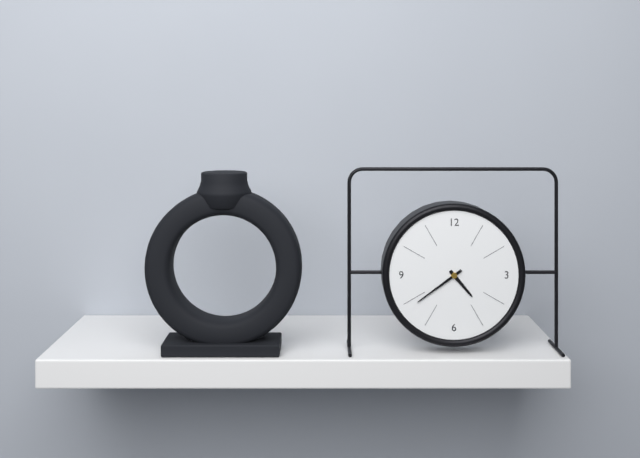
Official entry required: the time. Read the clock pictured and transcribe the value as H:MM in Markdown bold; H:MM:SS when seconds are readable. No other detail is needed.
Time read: **4:39**
